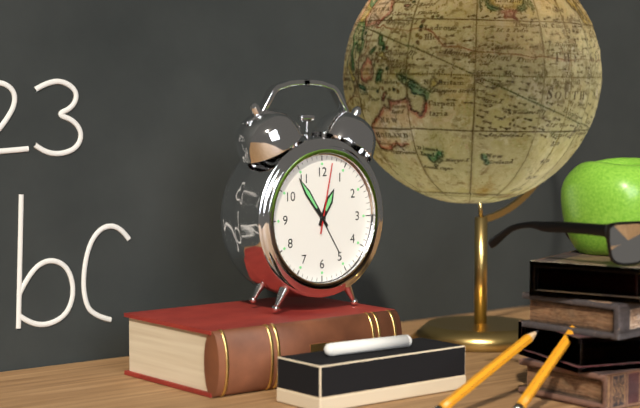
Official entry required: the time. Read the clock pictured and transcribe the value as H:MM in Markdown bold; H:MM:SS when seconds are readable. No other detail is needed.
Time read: **12:54:02**
